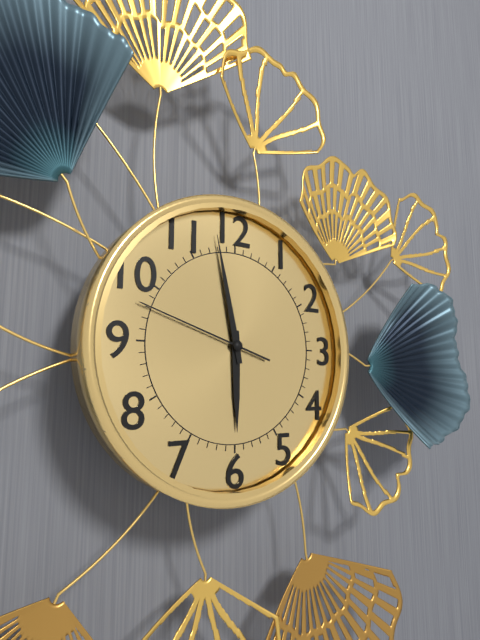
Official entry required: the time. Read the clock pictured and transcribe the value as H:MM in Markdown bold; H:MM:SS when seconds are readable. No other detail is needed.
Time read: **5:58:48**
